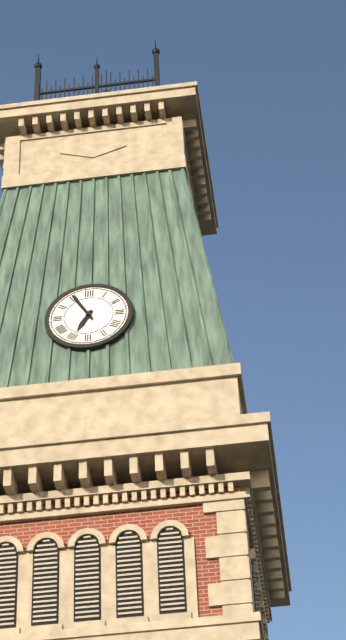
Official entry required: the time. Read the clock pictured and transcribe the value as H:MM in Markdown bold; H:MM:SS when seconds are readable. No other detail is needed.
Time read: **6:55**
